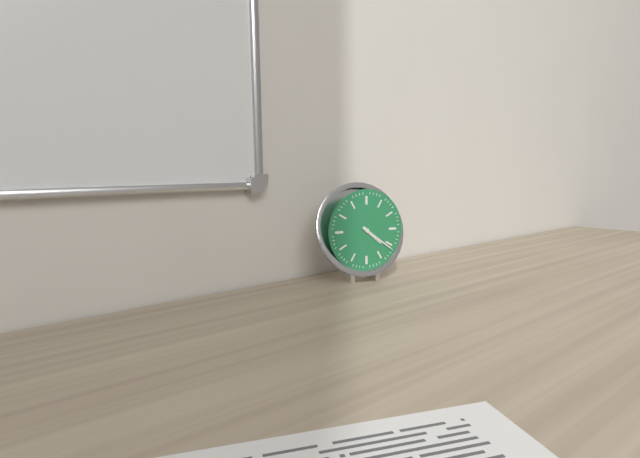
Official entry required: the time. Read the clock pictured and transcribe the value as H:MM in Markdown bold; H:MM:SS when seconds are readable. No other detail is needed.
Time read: **4:21**
